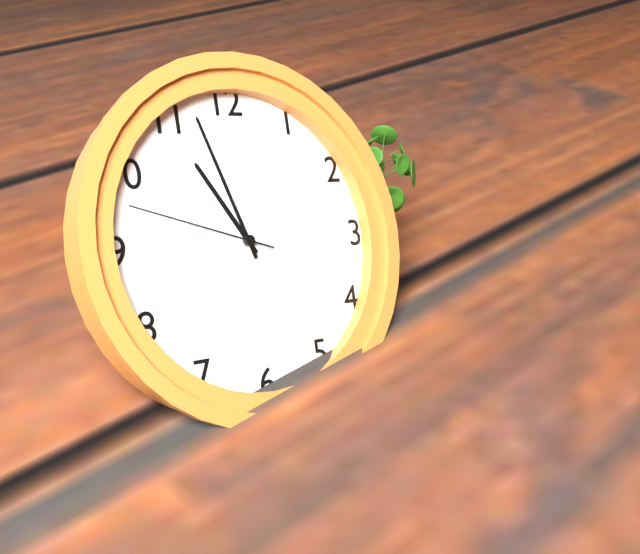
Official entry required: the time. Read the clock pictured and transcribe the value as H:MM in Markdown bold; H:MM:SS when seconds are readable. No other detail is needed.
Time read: **10:57:48**
